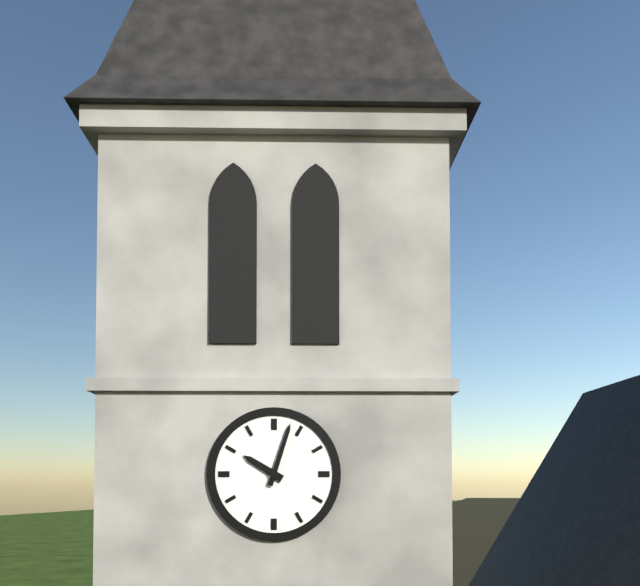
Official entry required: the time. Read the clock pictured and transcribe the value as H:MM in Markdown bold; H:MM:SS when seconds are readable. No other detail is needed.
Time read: **10:03**
